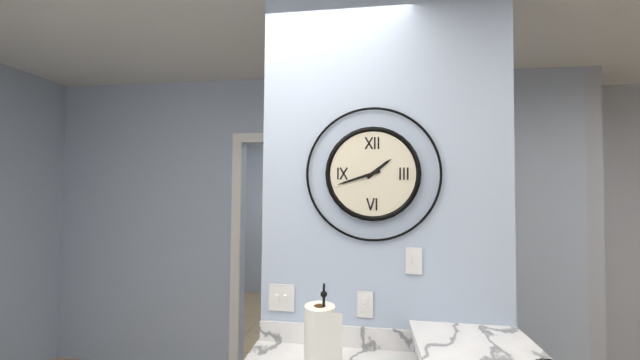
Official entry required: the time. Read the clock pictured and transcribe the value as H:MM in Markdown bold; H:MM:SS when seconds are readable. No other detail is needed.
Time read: **1:42**
